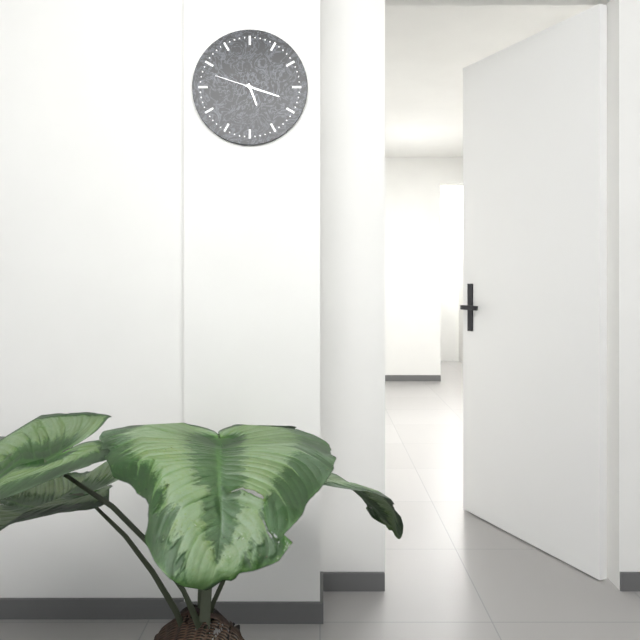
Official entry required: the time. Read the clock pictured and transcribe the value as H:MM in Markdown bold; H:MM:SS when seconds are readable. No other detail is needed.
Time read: **5:18**
